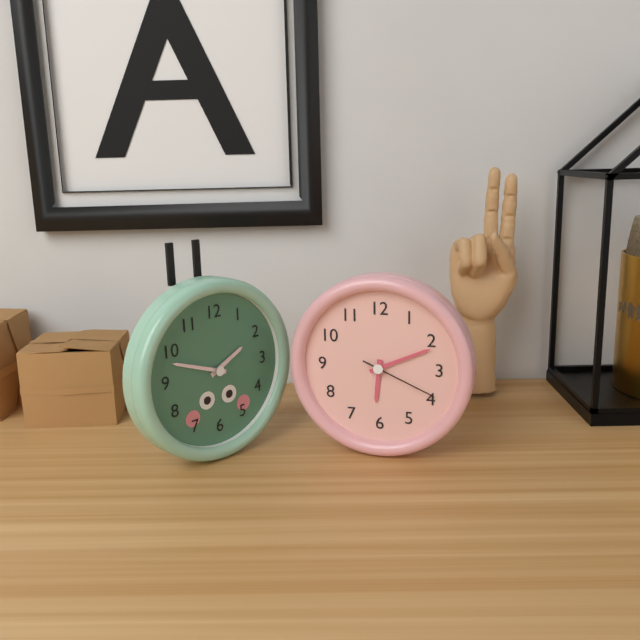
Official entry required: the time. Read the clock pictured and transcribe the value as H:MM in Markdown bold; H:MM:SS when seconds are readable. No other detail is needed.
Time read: **6:11:19**
